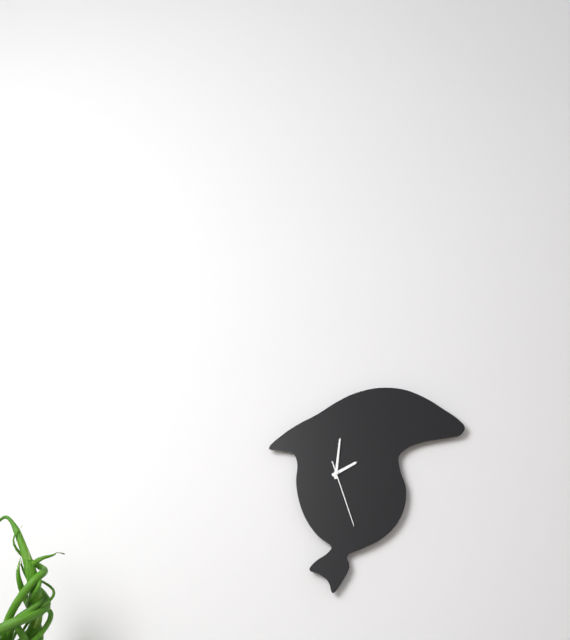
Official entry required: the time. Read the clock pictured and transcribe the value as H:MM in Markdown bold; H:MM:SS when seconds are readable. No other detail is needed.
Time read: **2:01:27**
